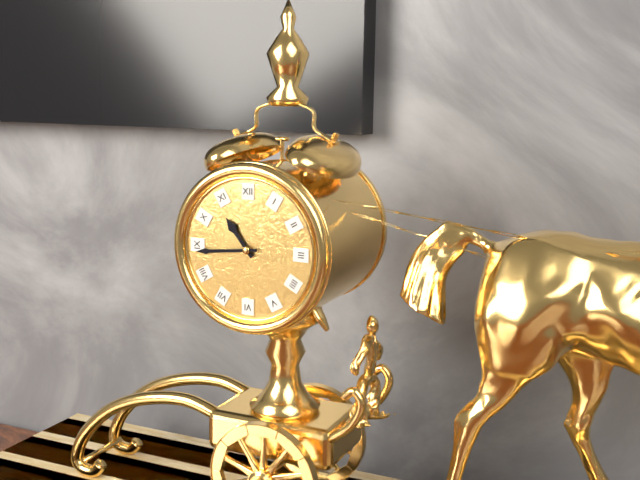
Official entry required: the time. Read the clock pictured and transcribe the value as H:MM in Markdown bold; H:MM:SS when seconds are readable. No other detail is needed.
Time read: **10:44**
